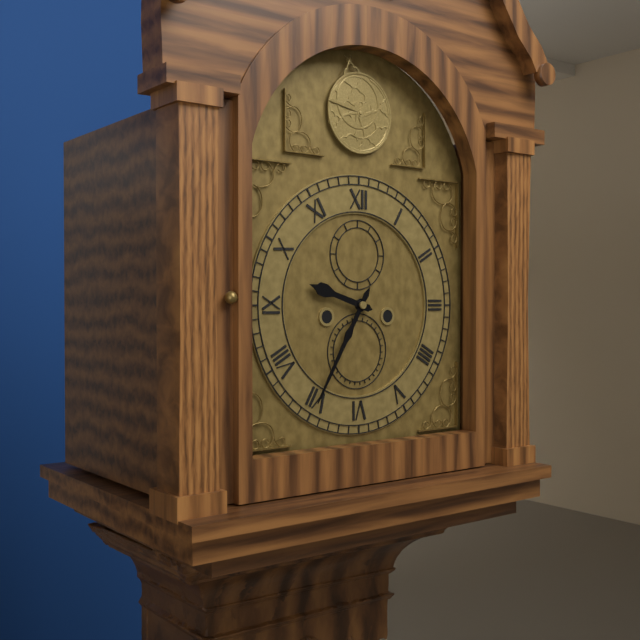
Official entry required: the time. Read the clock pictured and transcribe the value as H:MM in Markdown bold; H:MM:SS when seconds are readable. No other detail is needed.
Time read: **9:35**
